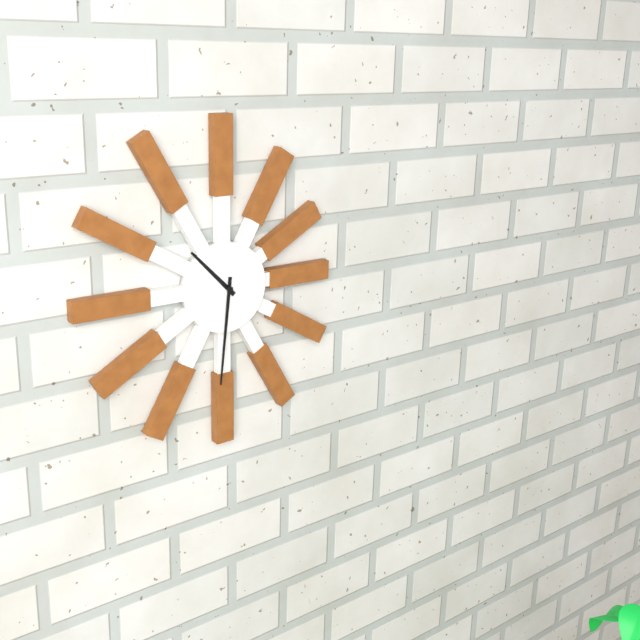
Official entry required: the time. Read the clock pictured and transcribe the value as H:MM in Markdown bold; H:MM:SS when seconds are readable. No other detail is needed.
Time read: **10:31**
